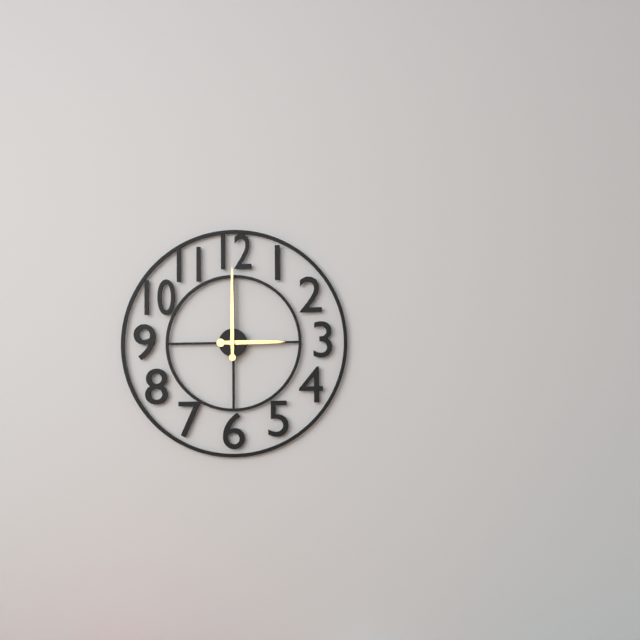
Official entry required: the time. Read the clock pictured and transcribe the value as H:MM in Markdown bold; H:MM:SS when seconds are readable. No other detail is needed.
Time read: **3:00**
